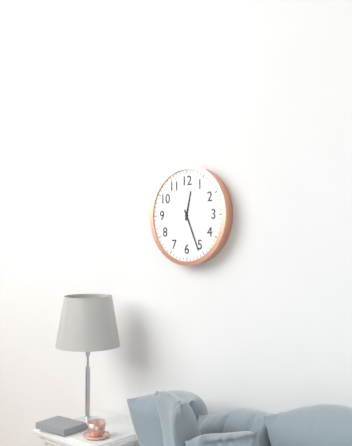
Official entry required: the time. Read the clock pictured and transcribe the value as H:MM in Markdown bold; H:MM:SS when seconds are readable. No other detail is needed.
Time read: **12:26**
